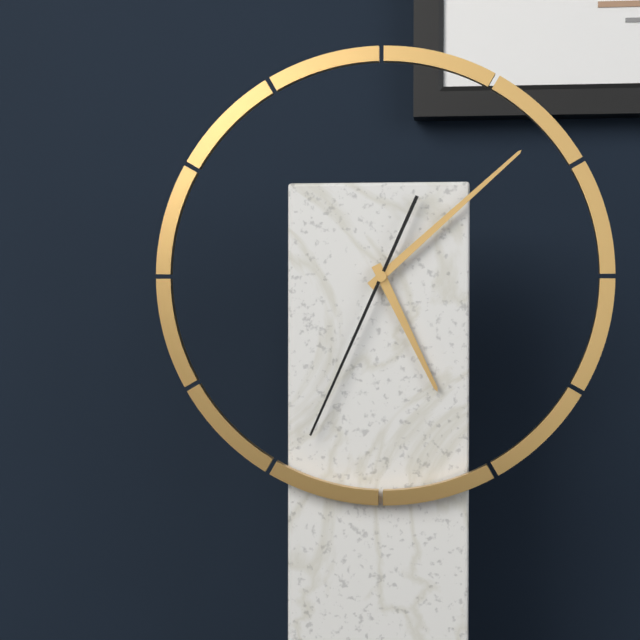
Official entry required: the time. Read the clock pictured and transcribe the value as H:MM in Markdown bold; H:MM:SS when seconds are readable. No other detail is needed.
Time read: **5:08:34**
